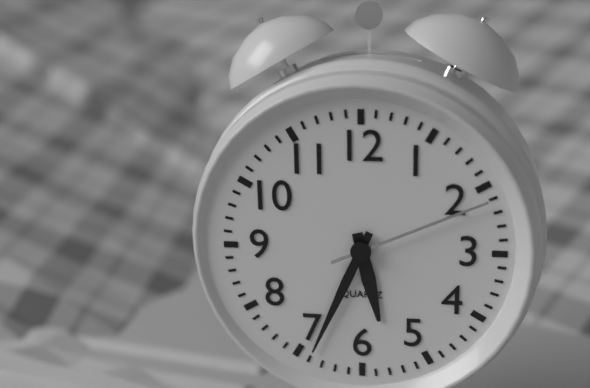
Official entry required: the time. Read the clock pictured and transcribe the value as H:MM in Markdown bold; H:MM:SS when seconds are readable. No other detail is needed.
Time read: **5:34:11**
